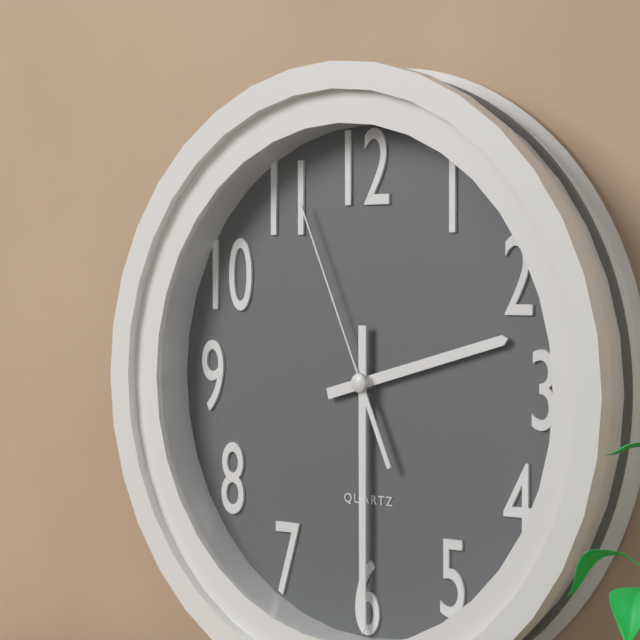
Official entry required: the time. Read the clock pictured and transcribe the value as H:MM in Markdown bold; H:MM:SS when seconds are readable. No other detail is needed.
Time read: **2:30:56**
